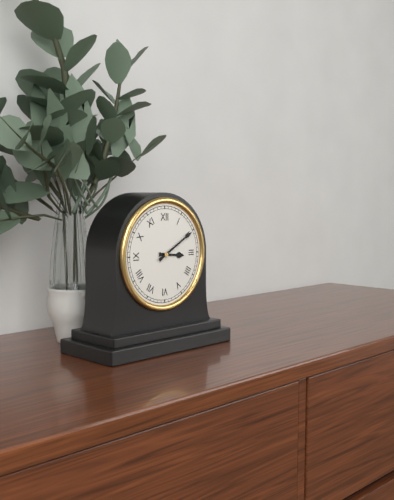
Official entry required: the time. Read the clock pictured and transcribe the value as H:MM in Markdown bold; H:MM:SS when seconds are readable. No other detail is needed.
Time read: **3:10**
